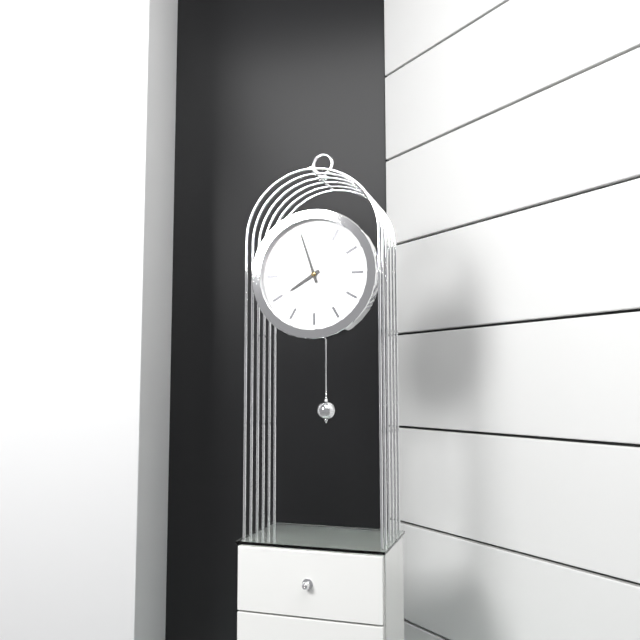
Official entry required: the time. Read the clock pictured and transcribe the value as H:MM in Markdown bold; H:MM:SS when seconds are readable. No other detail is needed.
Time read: **7:57**
